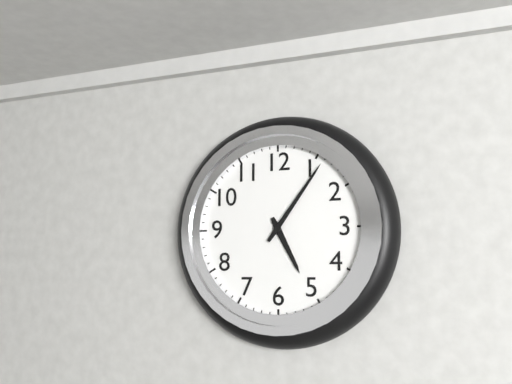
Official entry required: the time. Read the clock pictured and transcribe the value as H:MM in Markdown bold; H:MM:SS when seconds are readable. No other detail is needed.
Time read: **5:06**
